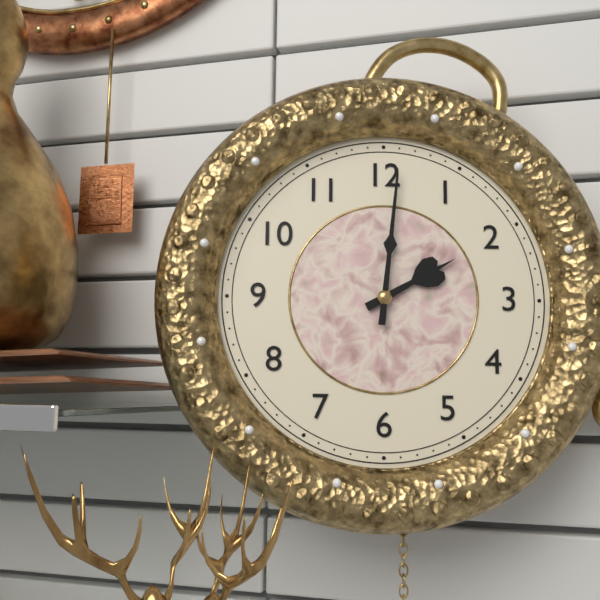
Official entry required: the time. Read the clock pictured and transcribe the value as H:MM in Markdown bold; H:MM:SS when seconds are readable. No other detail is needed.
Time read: **2:01**
